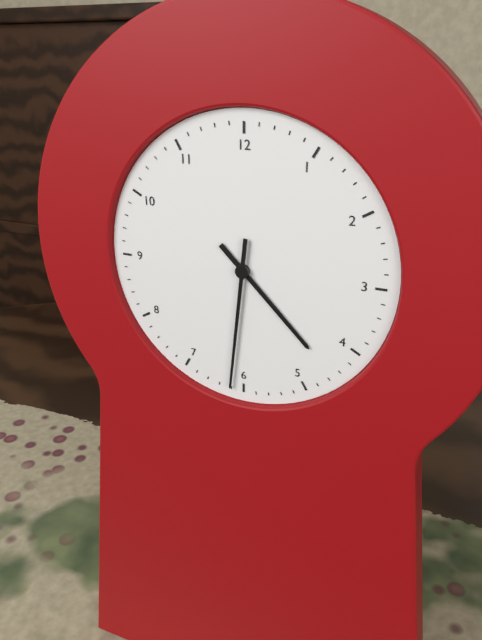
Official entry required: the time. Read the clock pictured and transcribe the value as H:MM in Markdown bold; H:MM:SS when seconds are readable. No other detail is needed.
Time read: **4:31**
